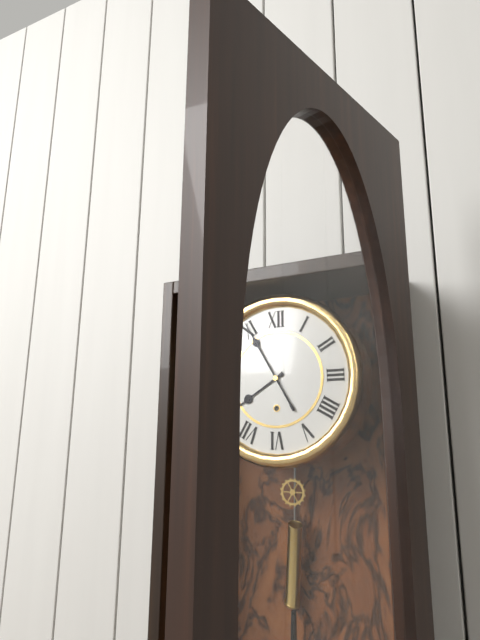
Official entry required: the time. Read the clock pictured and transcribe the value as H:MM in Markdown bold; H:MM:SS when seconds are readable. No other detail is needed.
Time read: **7:55**
